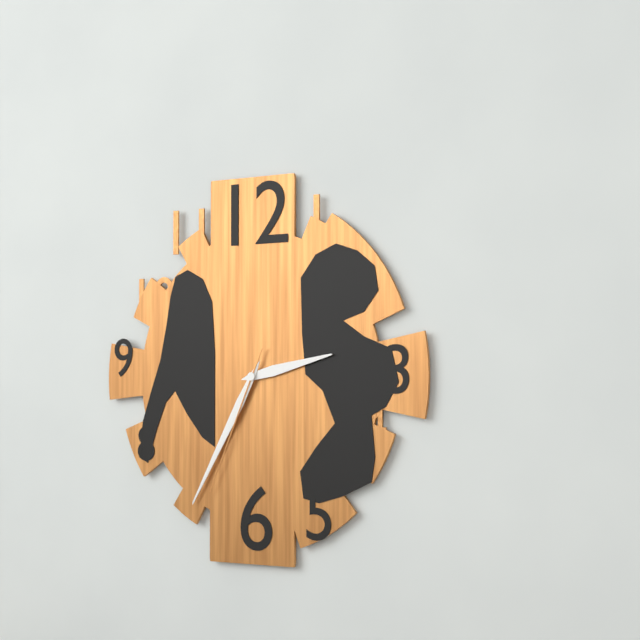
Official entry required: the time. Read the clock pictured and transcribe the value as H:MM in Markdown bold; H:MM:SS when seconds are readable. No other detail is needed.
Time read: **2:35:34**
